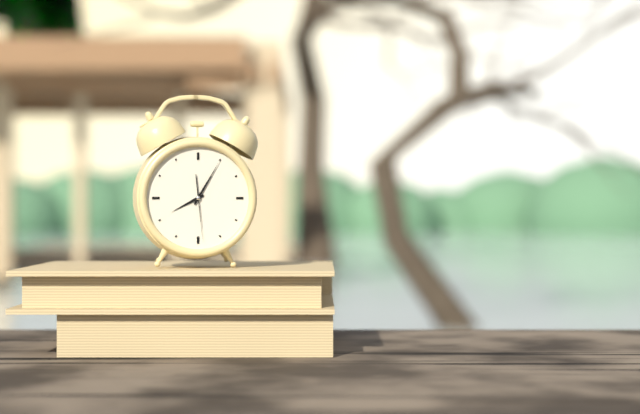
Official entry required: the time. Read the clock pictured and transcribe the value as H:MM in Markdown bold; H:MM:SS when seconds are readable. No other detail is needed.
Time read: **8:05:29**
